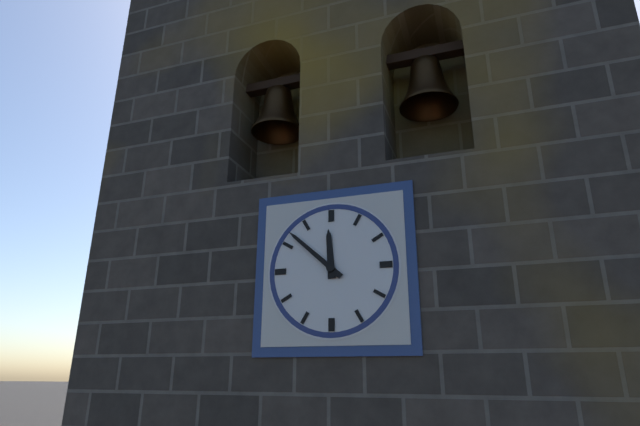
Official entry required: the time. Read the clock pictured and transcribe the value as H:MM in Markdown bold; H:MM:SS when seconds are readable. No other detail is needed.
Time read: **11:52**
